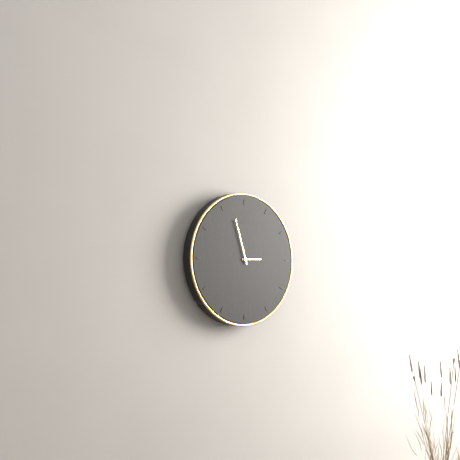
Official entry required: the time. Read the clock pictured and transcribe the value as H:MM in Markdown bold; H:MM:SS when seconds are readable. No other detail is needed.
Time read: **2:57**
